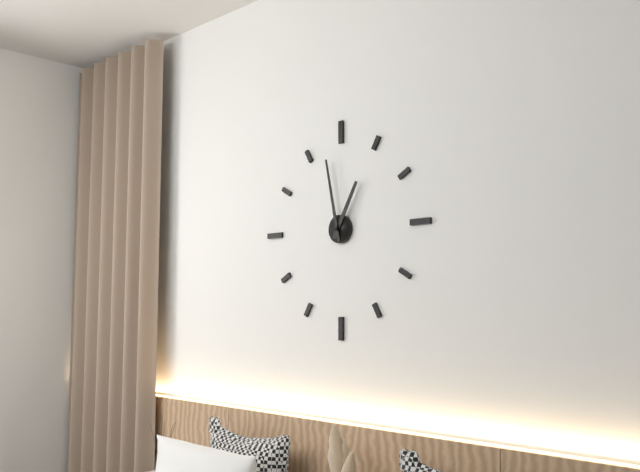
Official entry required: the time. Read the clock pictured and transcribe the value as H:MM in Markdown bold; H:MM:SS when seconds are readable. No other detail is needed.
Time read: **12:58**
